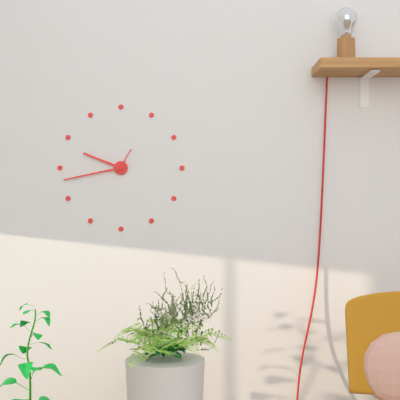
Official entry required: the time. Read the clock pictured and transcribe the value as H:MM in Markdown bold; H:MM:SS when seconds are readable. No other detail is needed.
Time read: **9:43**
